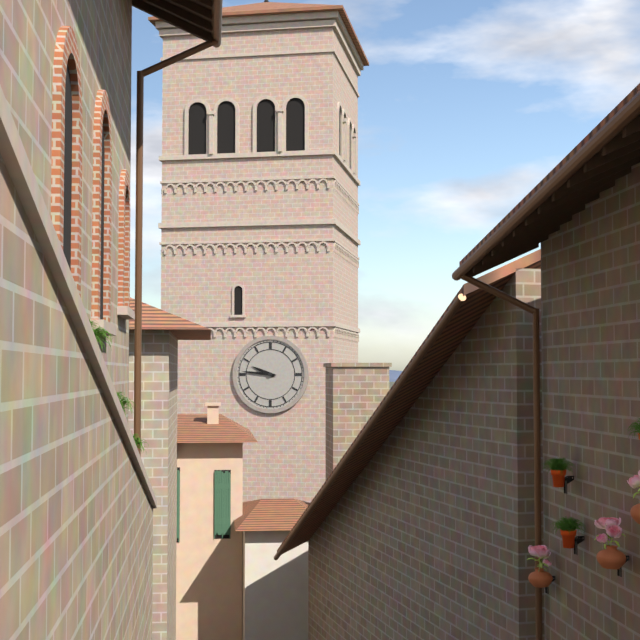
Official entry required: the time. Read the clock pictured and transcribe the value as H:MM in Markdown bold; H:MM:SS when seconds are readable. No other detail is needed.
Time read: **9:46**
